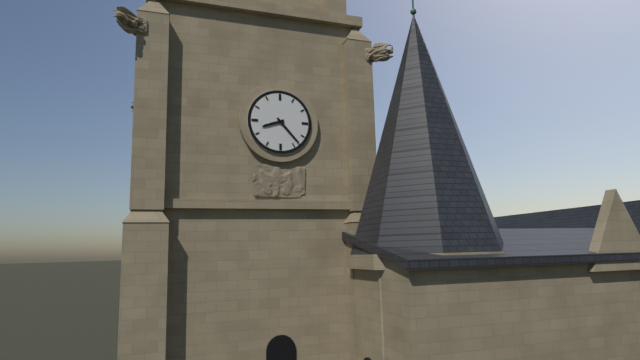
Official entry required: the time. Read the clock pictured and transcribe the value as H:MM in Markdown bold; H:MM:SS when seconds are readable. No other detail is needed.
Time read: **8:23**
